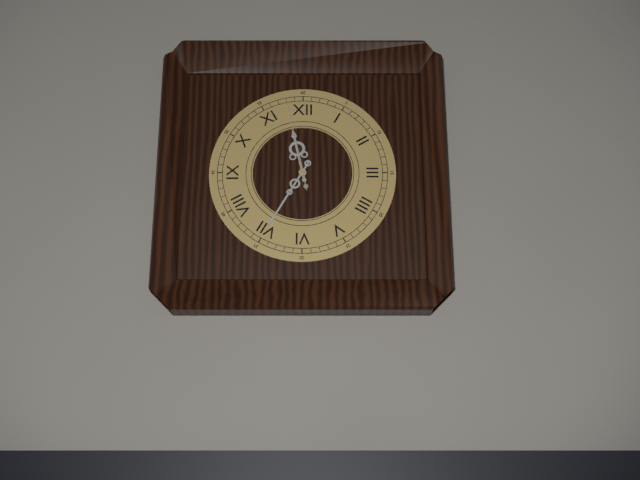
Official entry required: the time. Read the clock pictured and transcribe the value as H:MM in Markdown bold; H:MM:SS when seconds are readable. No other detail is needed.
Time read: **11:35:58**
